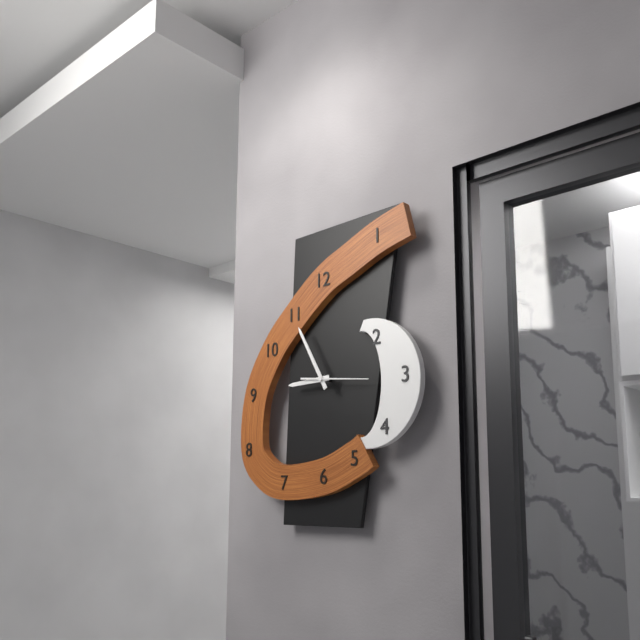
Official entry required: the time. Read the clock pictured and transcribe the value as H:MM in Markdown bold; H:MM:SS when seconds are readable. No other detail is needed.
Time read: **8:55**
